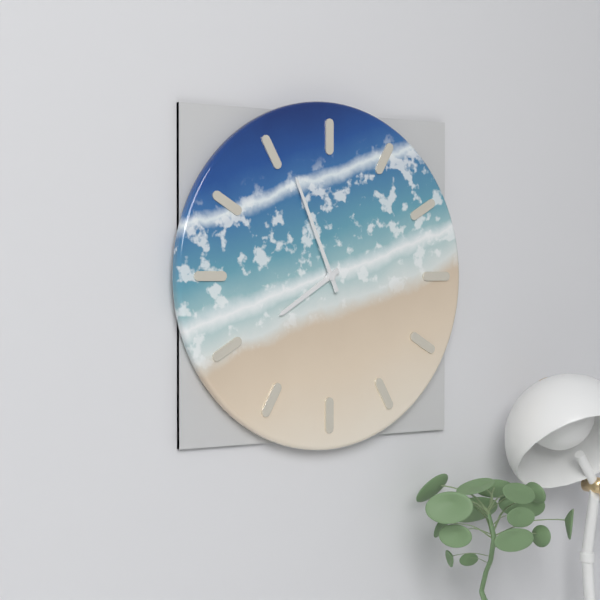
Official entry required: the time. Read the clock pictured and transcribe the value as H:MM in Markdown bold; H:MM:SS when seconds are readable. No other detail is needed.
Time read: **7:56**
